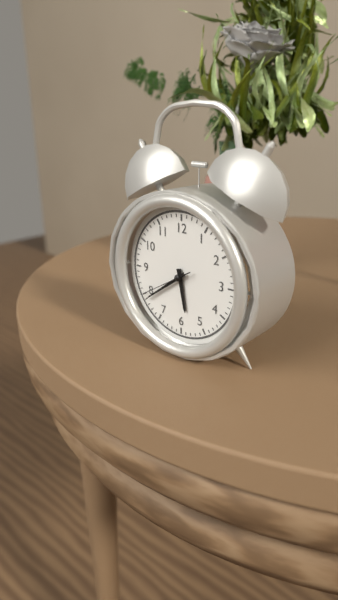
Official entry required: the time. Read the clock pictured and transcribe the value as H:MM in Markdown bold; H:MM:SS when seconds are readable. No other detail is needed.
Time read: **5:39:40**
